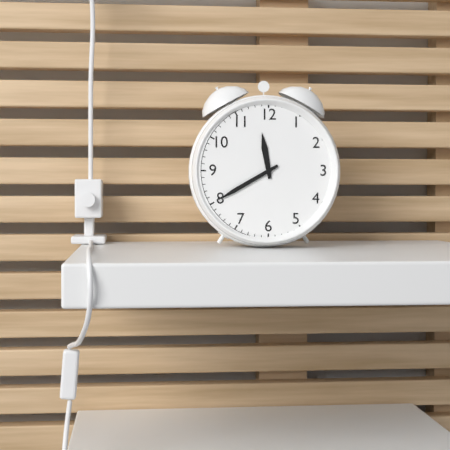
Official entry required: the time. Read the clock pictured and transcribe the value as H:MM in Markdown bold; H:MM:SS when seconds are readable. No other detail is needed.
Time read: **11:40**
